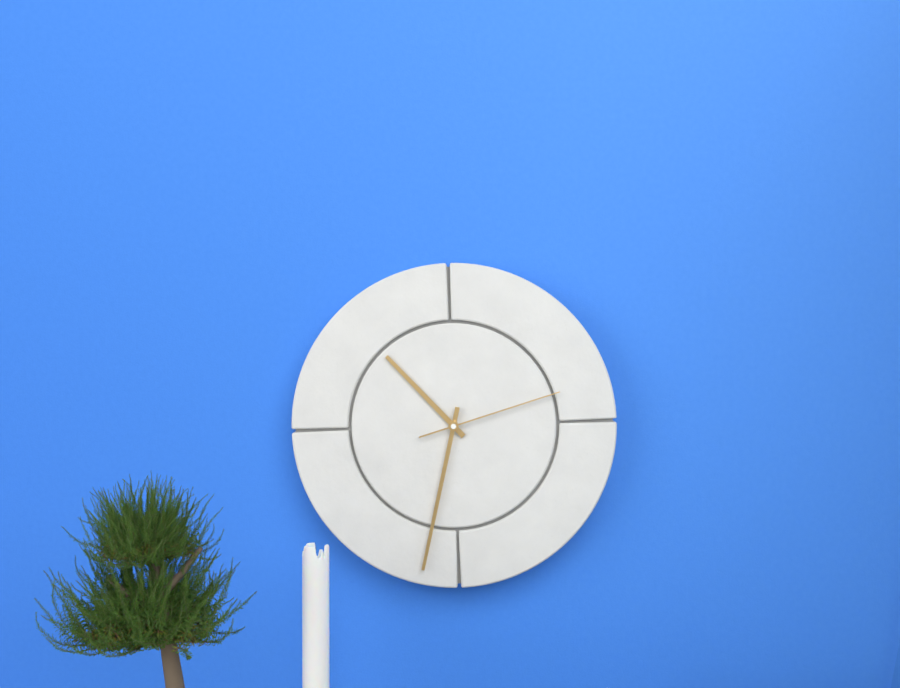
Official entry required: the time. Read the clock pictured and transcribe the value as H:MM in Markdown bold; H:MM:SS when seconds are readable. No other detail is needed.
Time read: **10:32:12**
